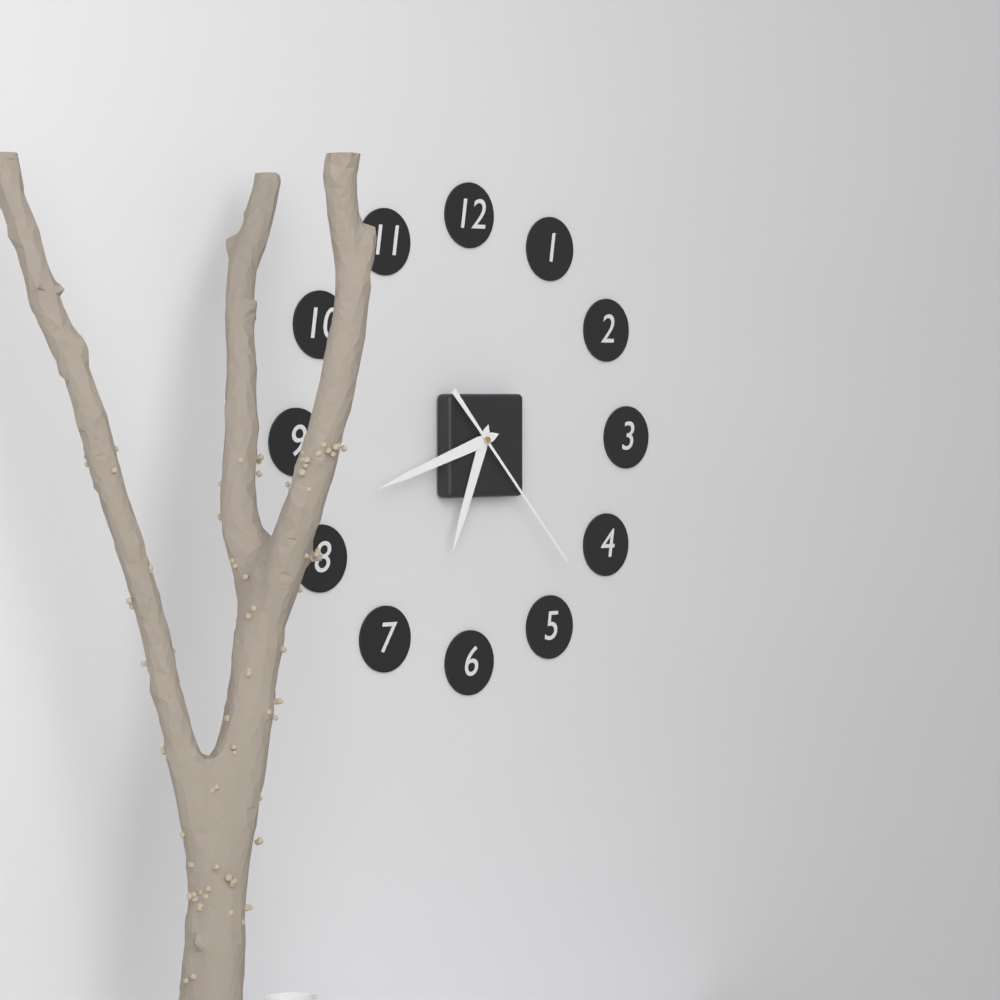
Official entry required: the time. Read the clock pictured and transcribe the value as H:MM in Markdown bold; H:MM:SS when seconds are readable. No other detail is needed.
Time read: **6:42:23**
